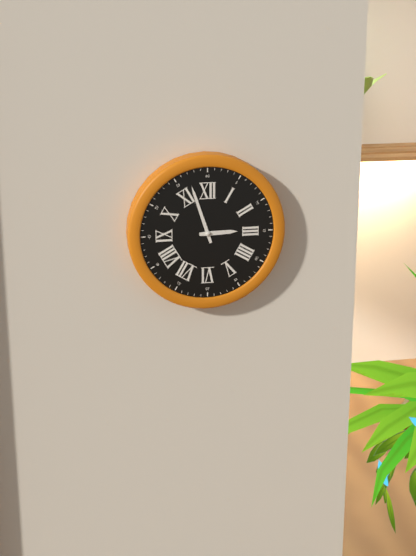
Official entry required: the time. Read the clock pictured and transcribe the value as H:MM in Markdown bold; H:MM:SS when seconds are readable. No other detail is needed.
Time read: **2:57**
